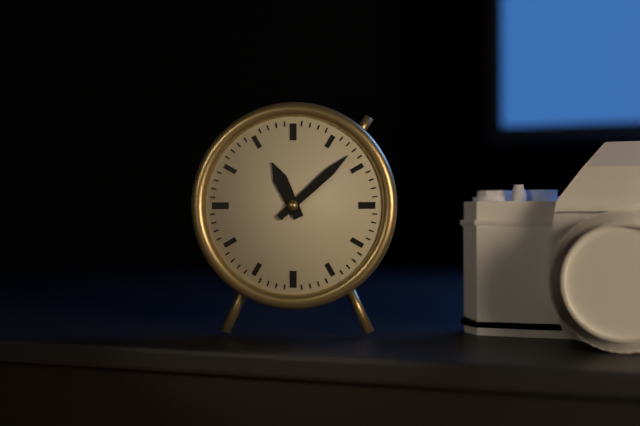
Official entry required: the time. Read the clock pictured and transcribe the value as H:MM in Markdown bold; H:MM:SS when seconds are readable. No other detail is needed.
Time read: **11:08**
